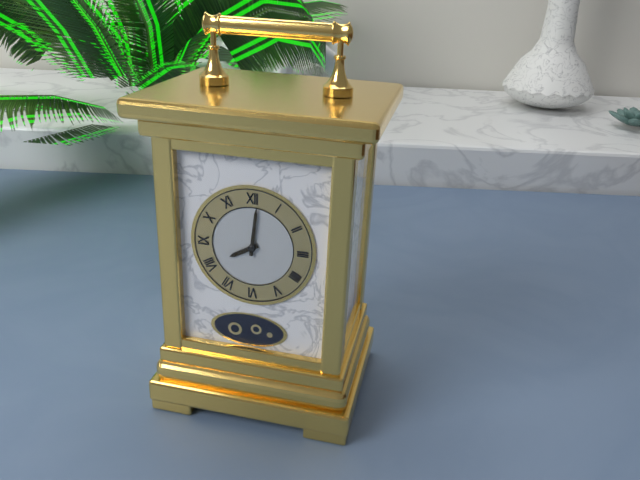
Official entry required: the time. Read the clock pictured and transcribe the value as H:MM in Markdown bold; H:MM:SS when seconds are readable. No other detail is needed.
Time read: **8:01**
